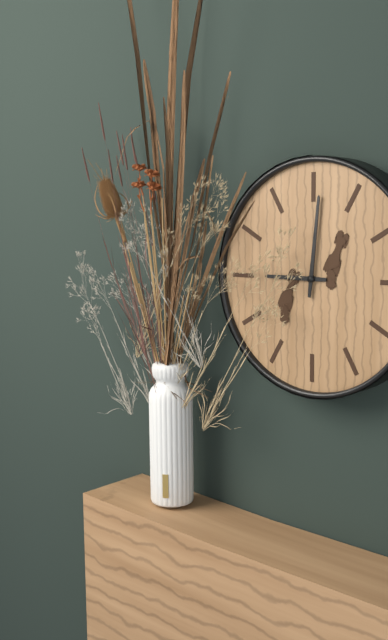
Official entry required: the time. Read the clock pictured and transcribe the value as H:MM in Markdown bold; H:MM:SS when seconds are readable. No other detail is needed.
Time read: **9:01**
